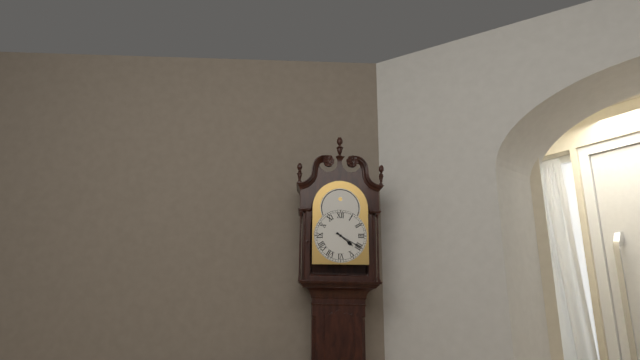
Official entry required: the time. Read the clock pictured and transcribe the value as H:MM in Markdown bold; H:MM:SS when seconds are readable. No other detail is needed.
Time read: **4:20**
